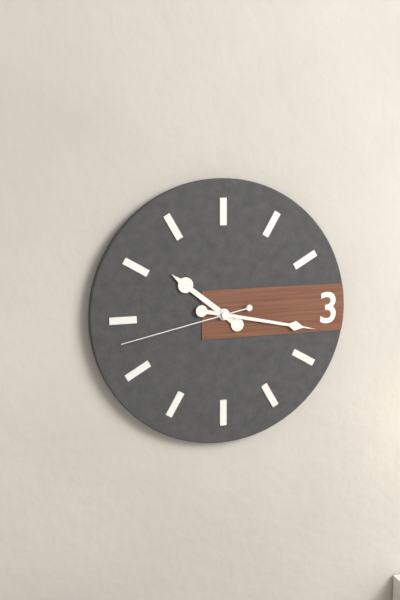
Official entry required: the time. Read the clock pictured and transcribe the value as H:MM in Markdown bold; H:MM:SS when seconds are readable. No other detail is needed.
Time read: **10:17:43**
